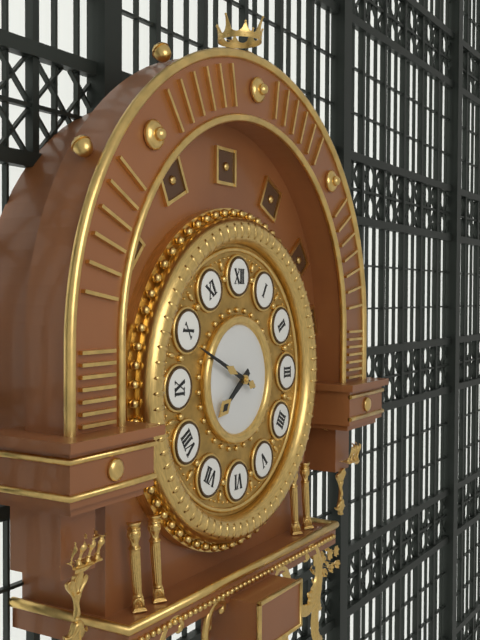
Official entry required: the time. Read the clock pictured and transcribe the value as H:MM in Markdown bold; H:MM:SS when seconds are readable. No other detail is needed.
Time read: **7:49**
